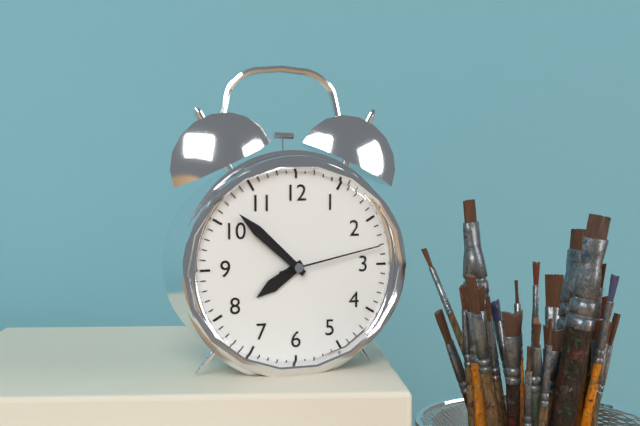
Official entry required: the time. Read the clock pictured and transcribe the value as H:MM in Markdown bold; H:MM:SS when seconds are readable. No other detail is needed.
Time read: **7:52:13**
